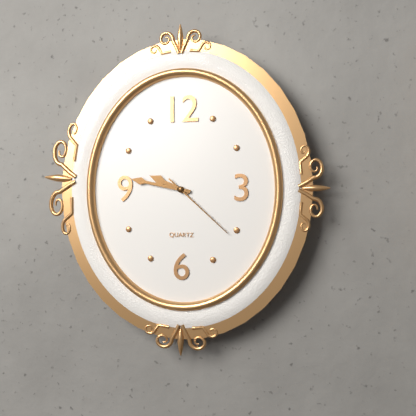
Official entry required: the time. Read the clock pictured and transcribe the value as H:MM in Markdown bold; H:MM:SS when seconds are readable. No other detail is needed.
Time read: **9:47:22**
